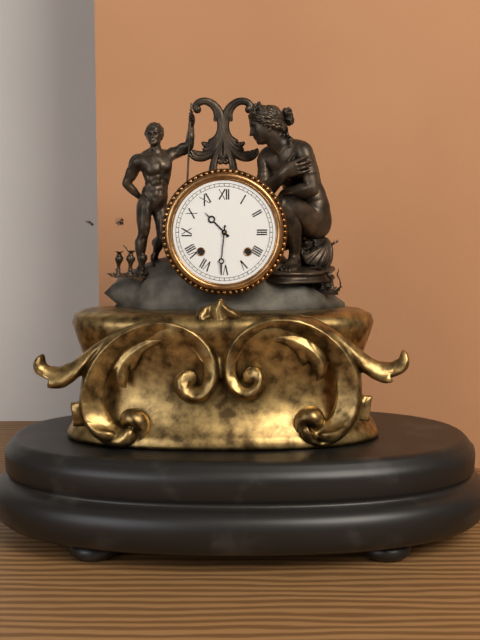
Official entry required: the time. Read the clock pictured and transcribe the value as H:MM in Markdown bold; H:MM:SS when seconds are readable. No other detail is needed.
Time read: **10:31**
